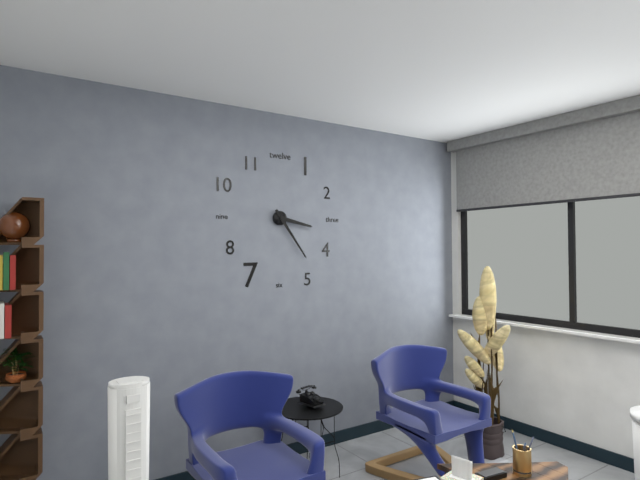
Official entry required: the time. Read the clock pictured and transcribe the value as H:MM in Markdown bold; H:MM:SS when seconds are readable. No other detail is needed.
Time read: **3:24**
